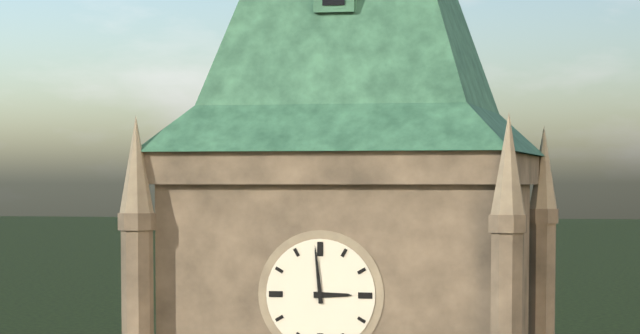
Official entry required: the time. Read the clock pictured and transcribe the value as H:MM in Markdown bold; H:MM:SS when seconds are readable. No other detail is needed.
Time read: **2:59**
